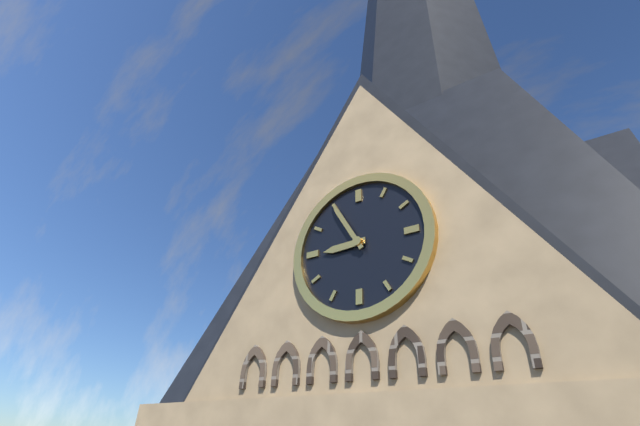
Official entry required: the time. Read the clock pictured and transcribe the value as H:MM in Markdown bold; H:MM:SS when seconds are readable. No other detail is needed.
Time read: **8:55**
